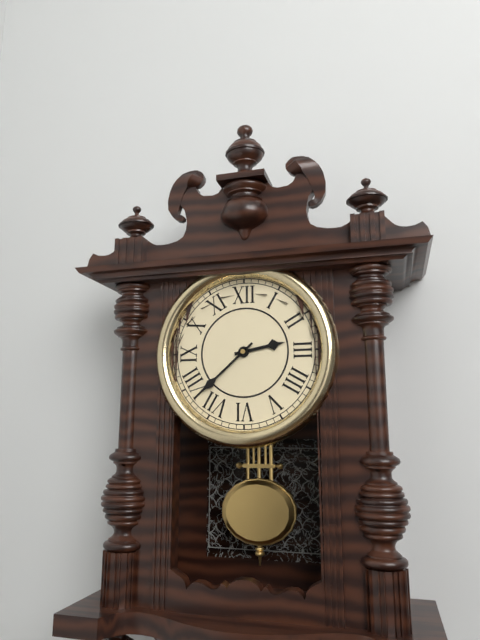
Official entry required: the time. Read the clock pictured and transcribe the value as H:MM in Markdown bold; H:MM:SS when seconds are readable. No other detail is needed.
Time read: **2:38**
